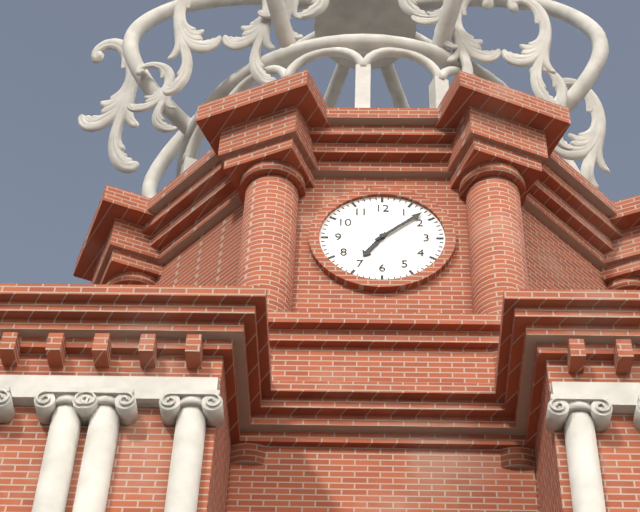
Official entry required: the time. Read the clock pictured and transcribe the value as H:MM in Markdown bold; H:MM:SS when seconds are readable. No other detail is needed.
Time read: **7:08**
